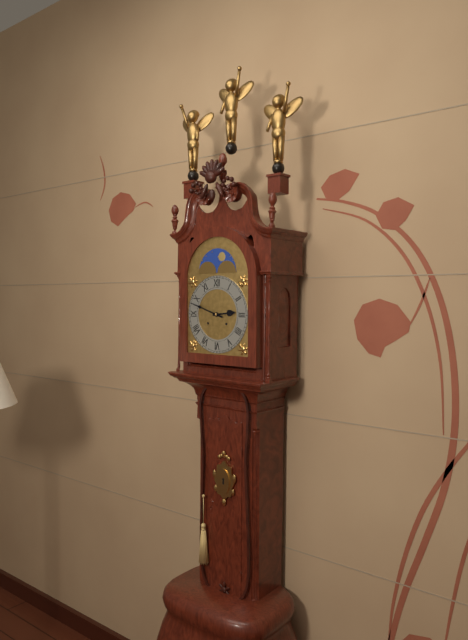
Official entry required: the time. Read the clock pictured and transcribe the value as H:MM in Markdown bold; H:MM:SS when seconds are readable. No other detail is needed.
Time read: **2:48**
